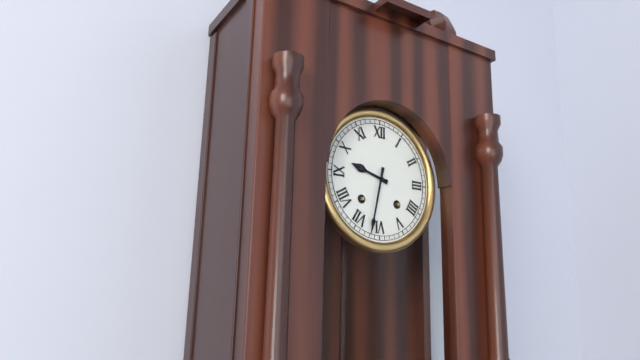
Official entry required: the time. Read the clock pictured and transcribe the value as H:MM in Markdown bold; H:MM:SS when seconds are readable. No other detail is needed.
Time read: **9:32**
